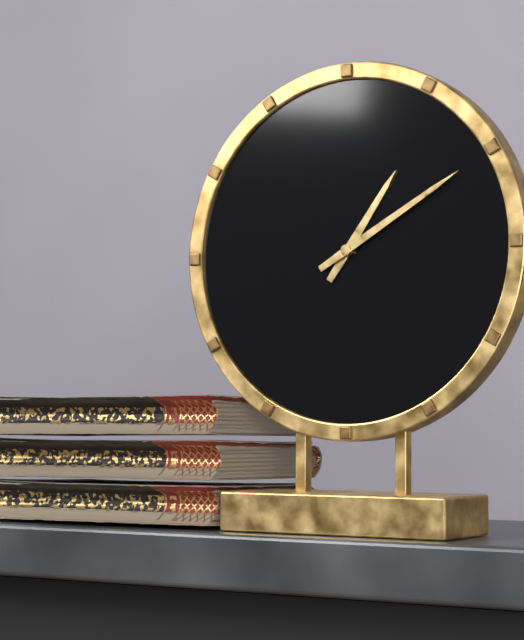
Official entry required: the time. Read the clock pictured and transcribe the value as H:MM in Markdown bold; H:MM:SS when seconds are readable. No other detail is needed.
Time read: **1:10**
